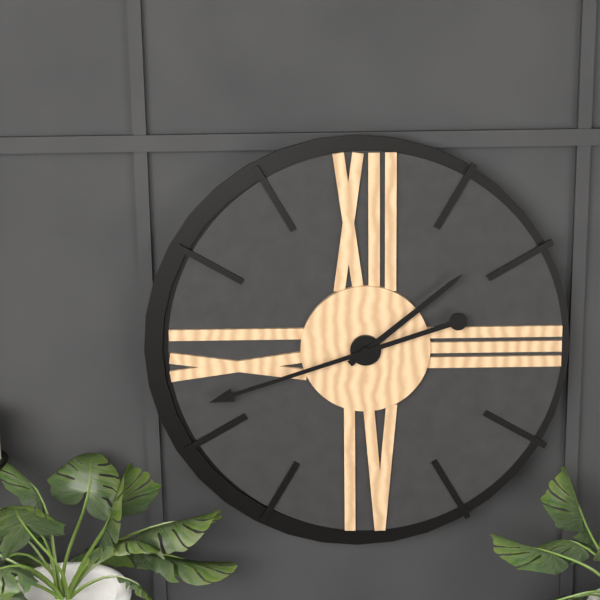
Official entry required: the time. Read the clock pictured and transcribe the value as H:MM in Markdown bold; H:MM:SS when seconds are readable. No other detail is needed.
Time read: **1:42**
